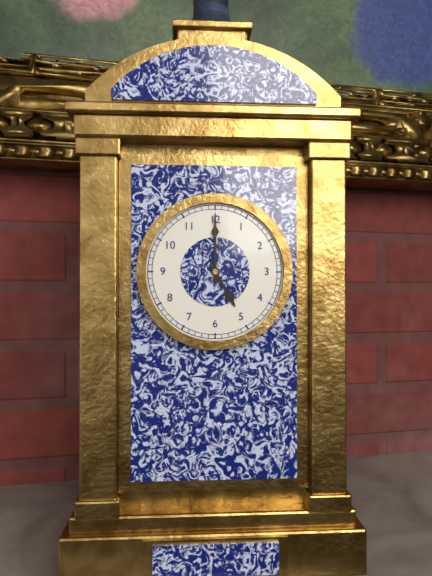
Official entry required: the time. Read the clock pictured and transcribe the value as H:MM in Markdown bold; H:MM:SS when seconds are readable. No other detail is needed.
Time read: **5:00**
